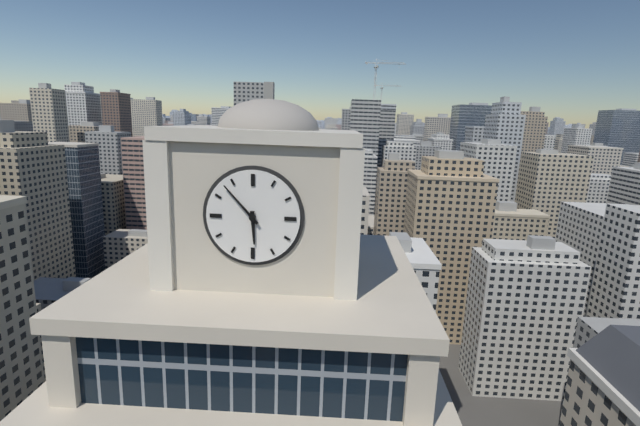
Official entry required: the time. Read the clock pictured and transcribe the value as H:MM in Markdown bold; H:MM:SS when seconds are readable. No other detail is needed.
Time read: **5:53**
